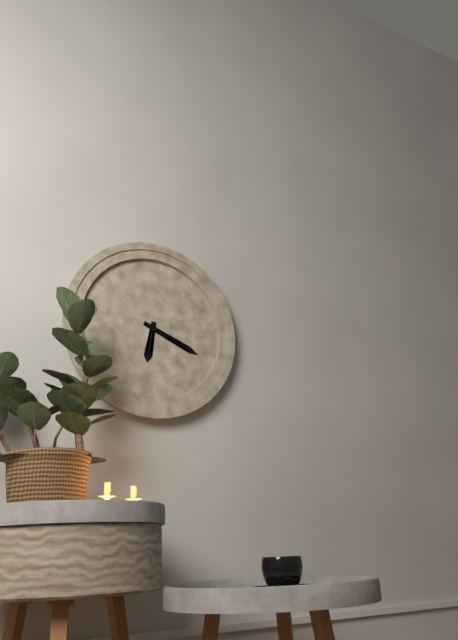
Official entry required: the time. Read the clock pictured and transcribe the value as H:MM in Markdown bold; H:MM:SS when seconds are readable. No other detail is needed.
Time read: **6:19**
